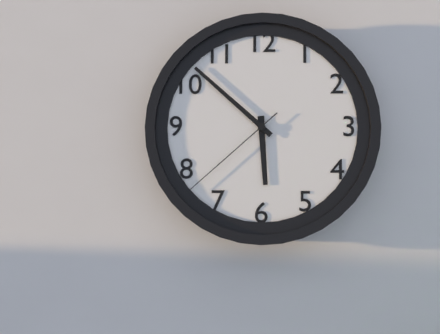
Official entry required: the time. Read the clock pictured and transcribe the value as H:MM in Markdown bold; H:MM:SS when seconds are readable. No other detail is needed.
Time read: **5:52:38**
